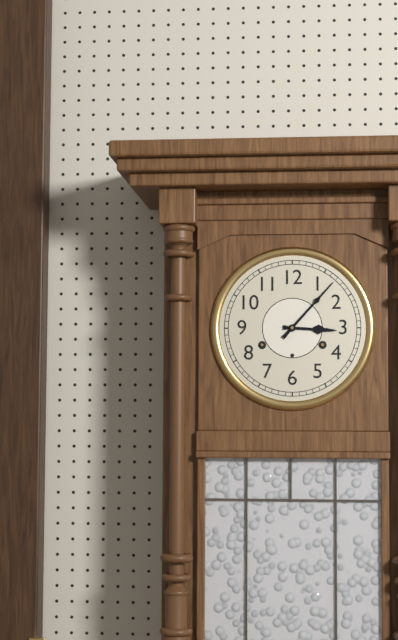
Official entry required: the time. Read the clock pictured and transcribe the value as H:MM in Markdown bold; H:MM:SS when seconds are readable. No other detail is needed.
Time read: **3:07**
